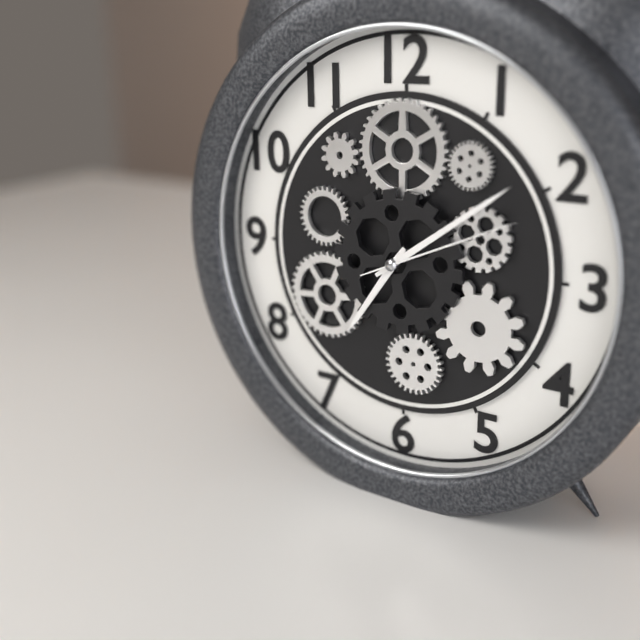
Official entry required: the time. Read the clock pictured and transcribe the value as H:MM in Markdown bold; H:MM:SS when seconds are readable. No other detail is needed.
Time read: **7:09:11**
